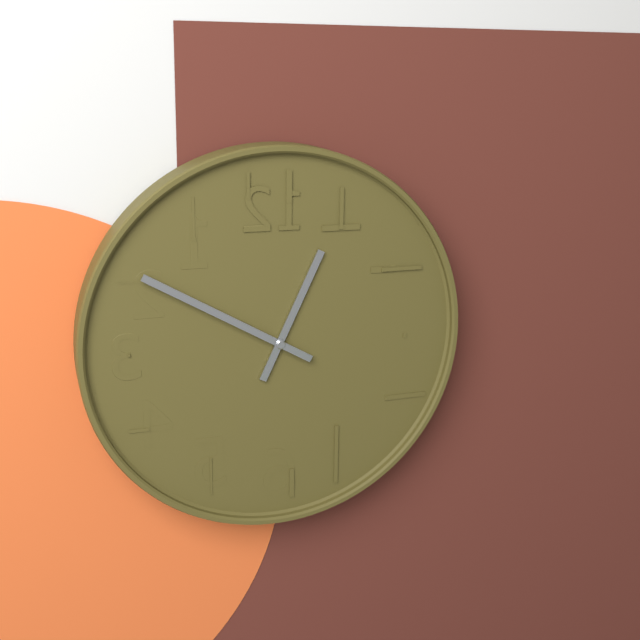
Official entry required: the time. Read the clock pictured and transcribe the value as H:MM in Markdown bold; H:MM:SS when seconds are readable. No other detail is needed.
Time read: **12:50**
